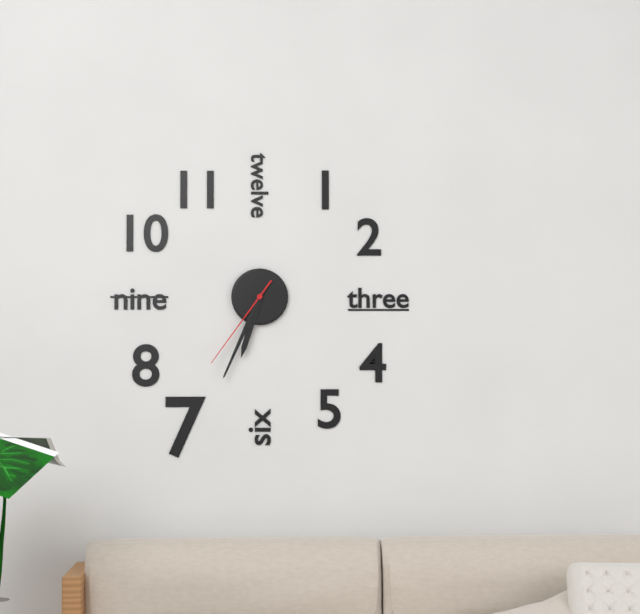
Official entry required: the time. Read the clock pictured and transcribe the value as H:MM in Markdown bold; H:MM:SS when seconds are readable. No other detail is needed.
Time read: **6:34:36**
